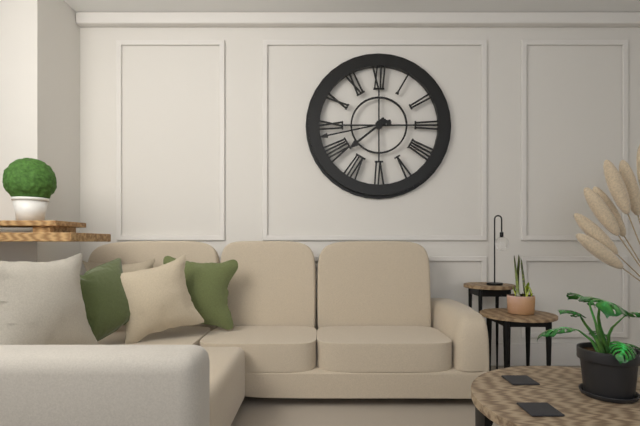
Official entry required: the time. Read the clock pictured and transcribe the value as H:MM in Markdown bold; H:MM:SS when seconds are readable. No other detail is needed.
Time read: **7:43**
